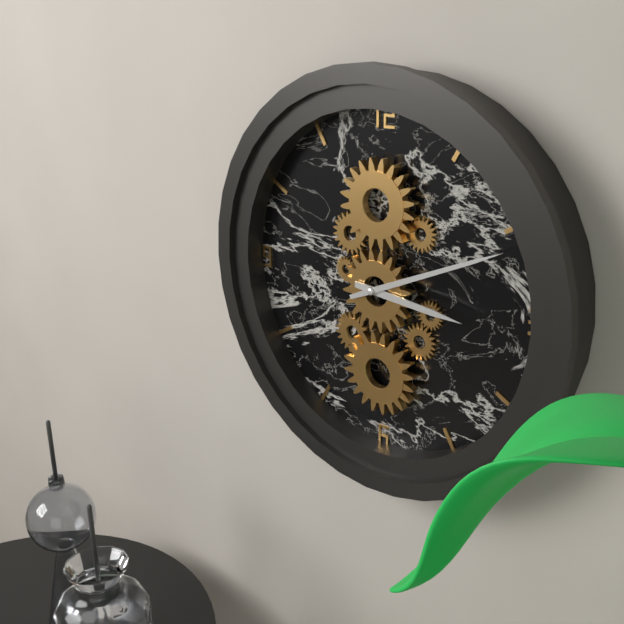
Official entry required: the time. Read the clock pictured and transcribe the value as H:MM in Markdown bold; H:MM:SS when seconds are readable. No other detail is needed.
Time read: **3:11**
